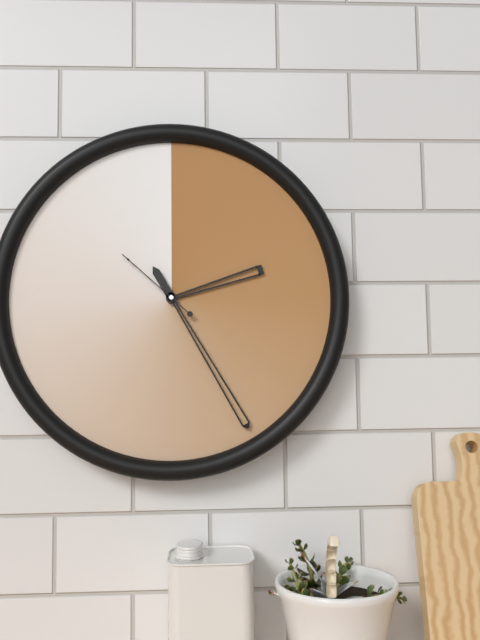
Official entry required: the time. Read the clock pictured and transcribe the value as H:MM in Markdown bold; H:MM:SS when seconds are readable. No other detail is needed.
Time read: **2:25:52**
